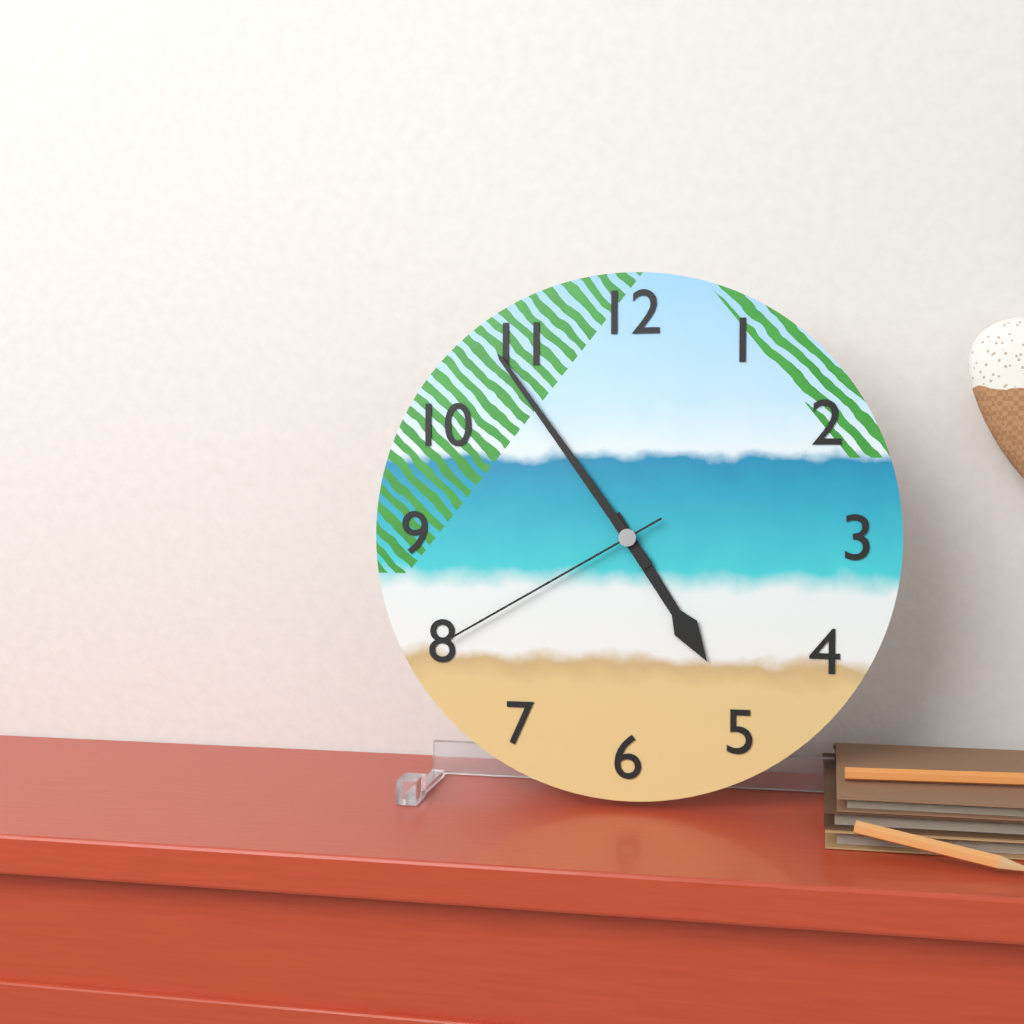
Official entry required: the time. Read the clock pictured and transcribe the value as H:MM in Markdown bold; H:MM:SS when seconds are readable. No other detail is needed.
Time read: **4:54:40**
